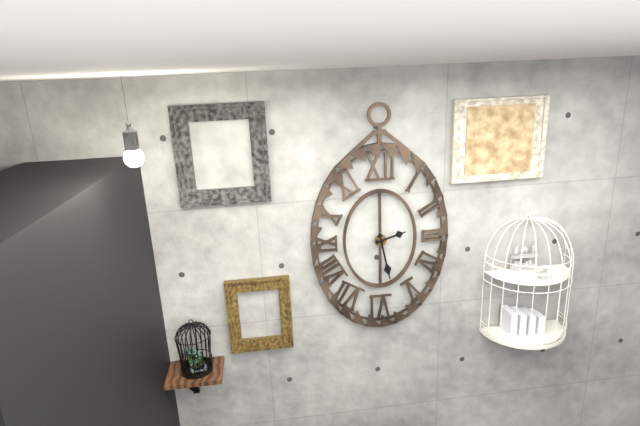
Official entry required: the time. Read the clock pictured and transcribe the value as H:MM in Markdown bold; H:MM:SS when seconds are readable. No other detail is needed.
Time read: **2:28**
